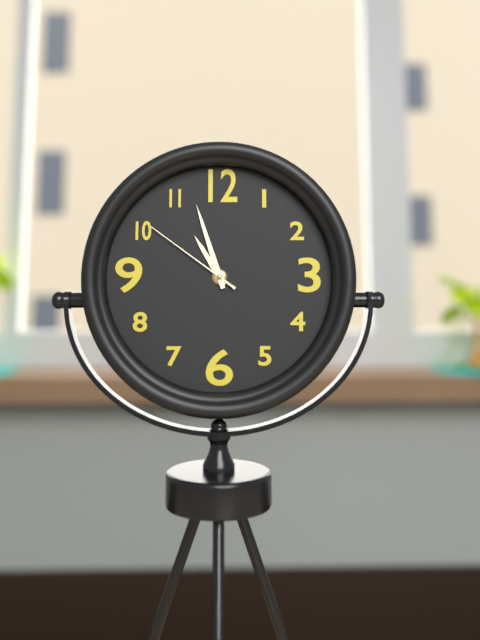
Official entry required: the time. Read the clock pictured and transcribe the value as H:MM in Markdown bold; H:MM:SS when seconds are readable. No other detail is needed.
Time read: **10:57:51**
